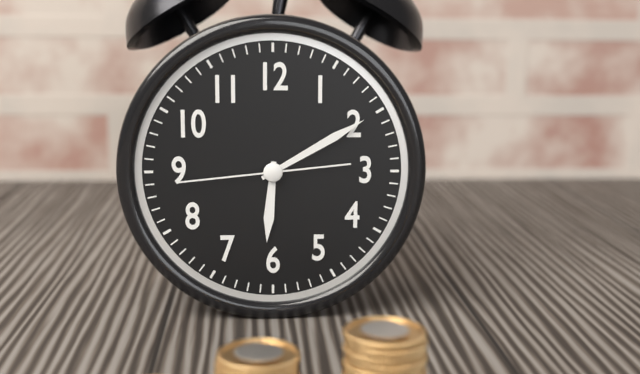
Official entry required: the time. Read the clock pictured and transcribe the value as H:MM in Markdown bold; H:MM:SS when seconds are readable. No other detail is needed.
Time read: **6:10:44**
